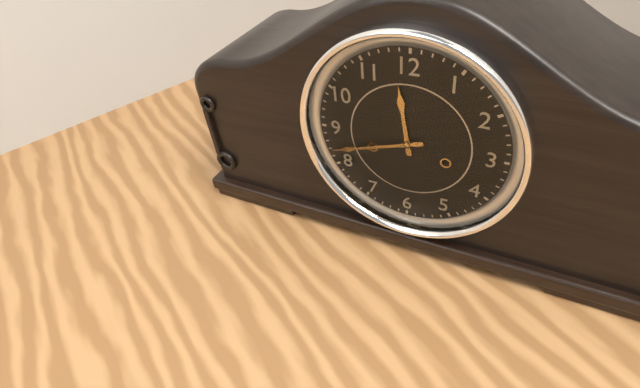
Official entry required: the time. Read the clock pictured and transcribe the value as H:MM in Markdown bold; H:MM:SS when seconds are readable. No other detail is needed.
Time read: **11:42**
